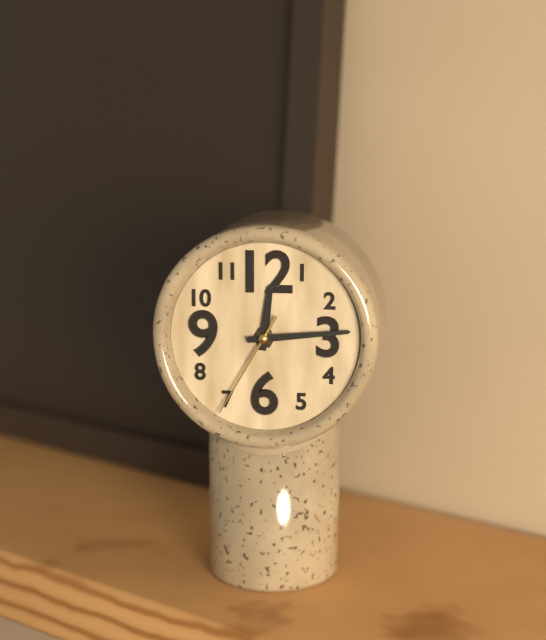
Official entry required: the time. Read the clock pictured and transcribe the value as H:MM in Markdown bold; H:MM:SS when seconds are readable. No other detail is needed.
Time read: **12:14:35**
